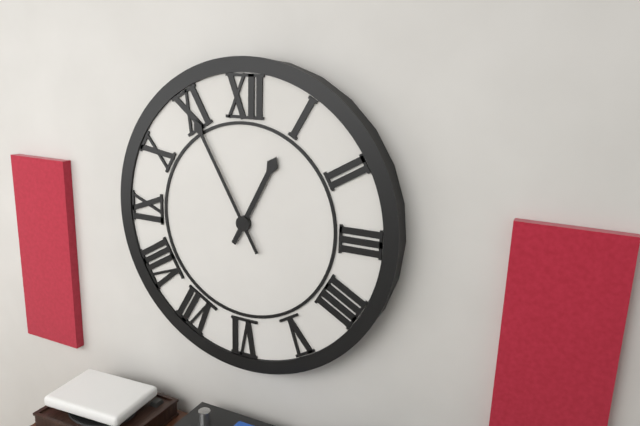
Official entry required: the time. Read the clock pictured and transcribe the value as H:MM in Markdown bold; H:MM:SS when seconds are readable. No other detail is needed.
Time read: **12:55**
